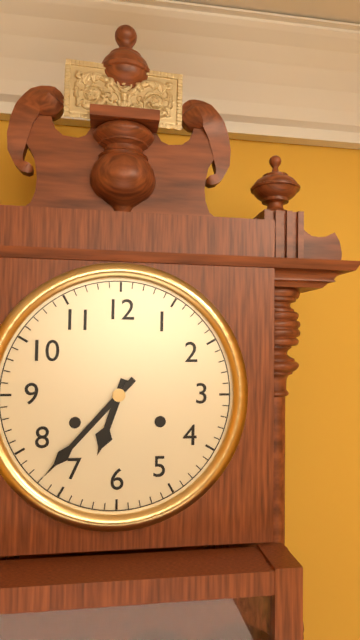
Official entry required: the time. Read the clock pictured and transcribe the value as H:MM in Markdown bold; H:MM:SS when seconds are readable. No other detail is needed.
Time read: **6:37**
